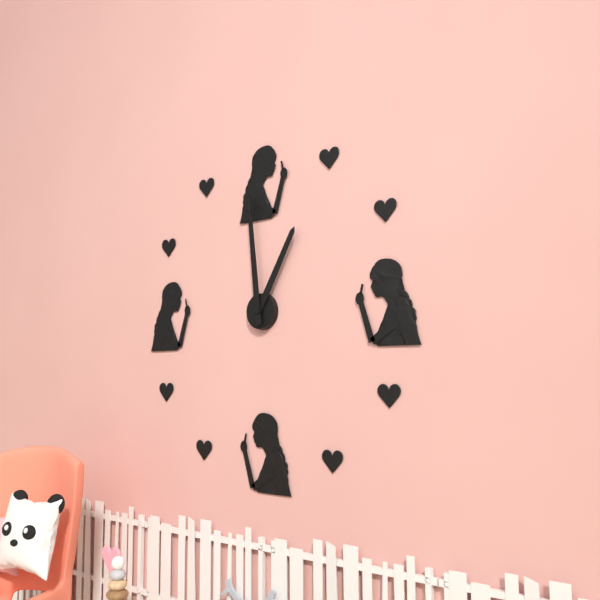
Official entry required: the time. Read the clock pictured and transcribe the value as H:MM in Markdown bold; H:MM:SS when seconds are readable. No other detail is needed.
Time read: **12:59**
